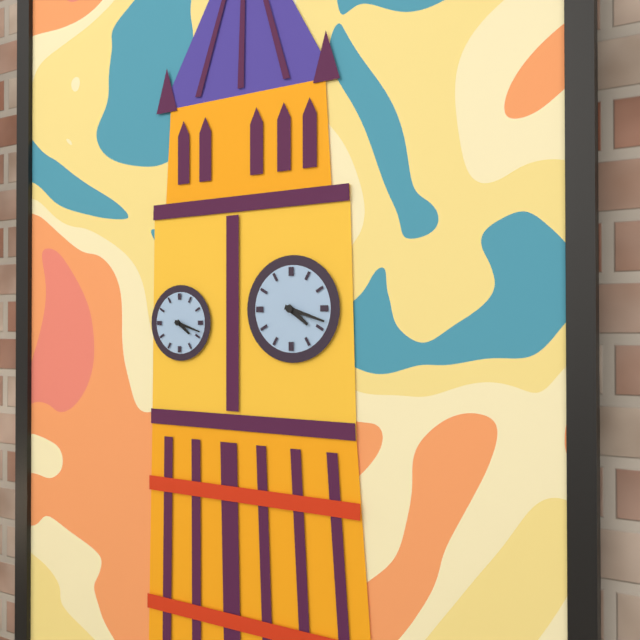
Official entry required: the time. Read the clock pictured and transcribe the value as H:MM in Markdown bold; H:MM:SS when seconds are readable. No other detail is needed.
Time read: **4:18**
